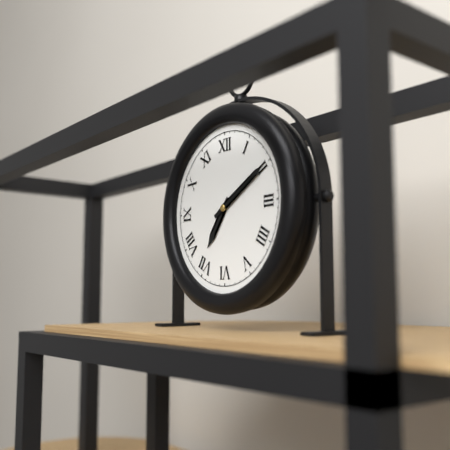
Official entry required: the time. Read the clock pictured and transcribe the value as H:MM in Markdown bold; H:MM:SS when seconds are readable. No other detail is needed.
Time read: **7:10**
